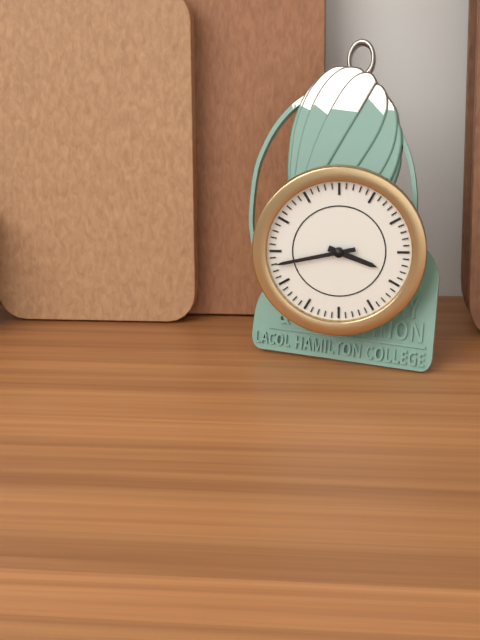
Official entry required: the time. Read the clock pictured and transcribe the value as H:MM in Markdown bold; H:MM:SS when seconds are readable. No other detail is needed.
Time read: **3:43**
